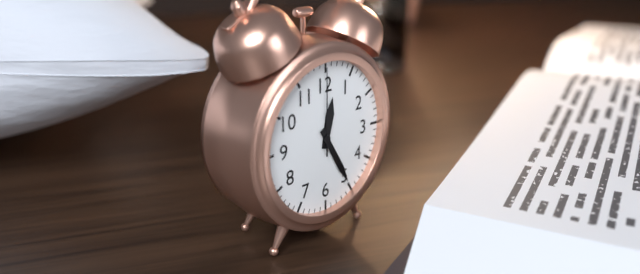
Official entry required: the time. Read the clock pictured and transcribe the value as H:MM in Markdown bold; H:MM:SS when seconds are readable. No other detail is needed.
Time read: **12:25:00**
